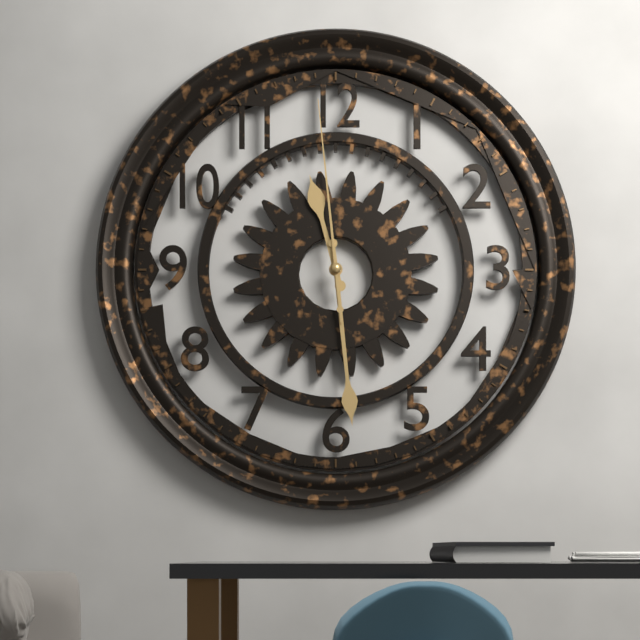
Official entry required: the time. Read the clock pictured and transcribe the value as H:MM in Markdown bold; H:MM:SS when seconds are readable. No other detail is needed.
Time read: **11:29:59**
